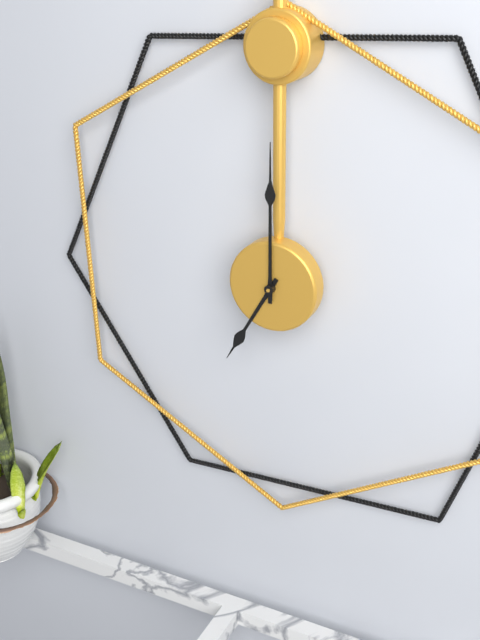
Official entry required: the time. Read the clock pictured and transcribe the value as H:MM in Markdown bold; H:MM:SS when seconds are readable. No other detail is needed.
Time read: **7:00**
